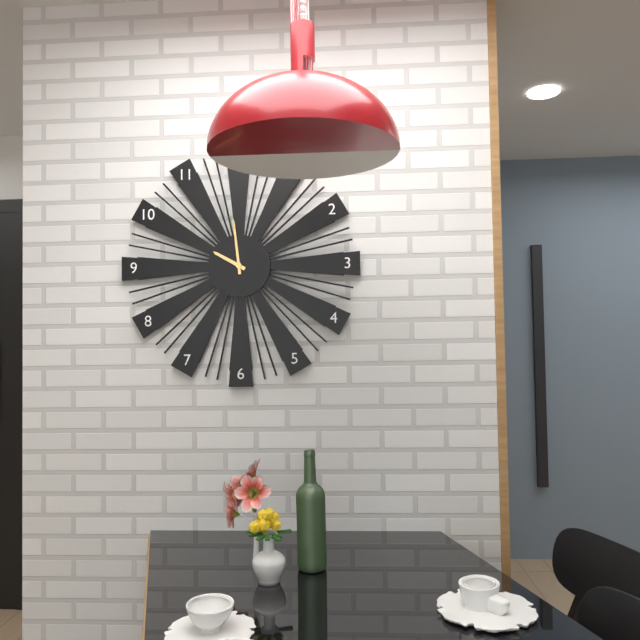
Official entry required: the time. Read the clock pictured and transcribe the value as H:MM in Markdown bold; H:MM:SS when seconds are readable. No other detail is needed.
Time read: **9:59**
